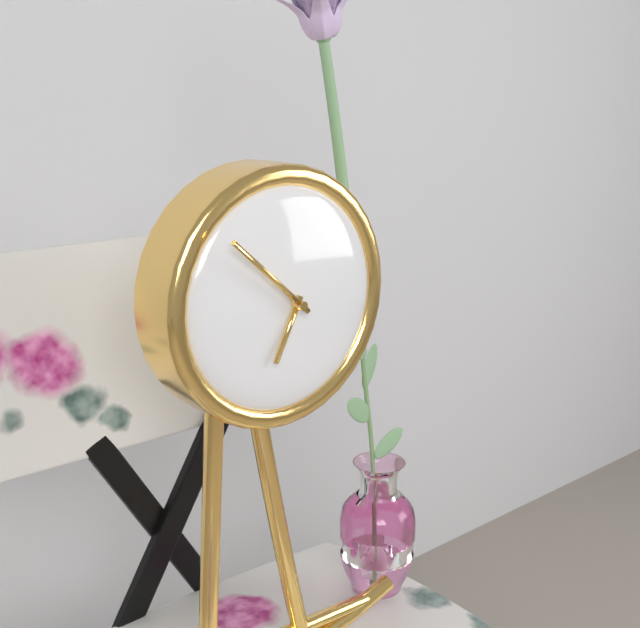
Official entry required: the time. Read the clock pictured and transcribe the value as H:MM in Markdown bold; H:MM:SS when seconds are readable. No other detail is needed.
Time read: **6:52**
